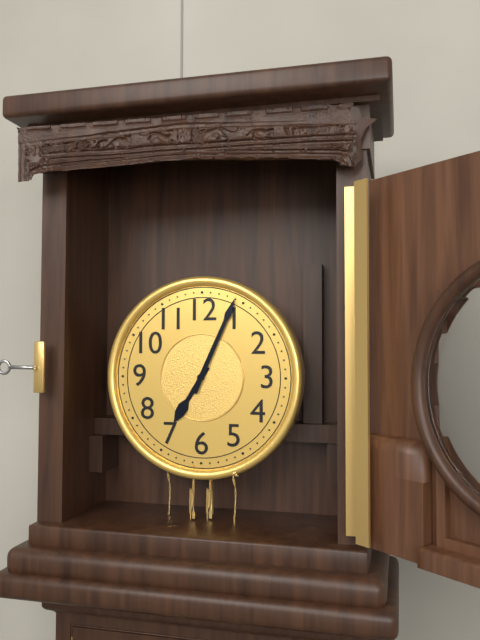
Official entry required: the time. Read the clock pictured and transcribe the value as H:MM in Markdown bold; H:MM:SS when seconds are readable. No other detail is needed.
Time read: **7:04**
